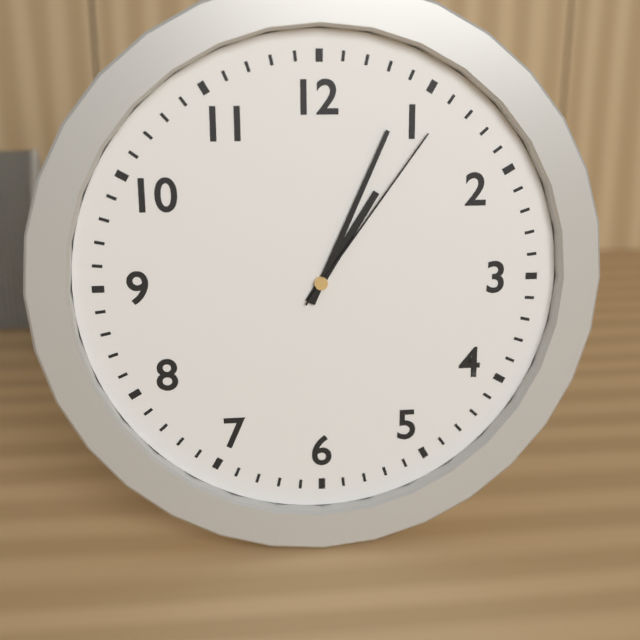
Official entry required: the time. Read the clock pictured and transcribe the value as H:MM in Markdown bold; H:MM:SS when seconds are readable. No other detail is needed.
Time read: **1:04:06**
